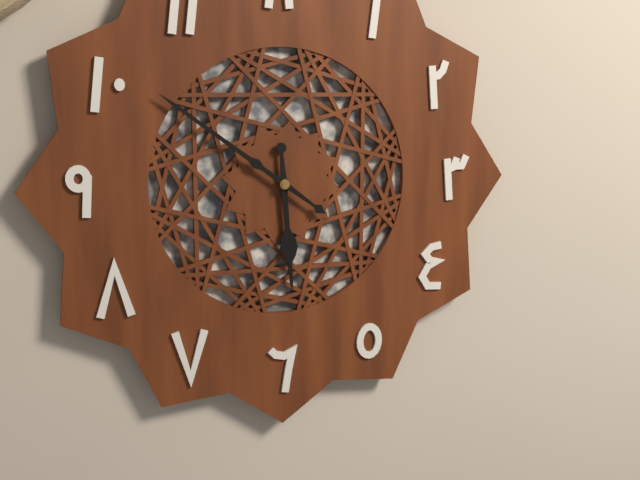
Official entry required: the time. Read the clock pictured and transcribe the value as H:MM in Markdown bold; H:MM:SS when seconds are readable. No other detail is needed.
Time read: **5:51**
